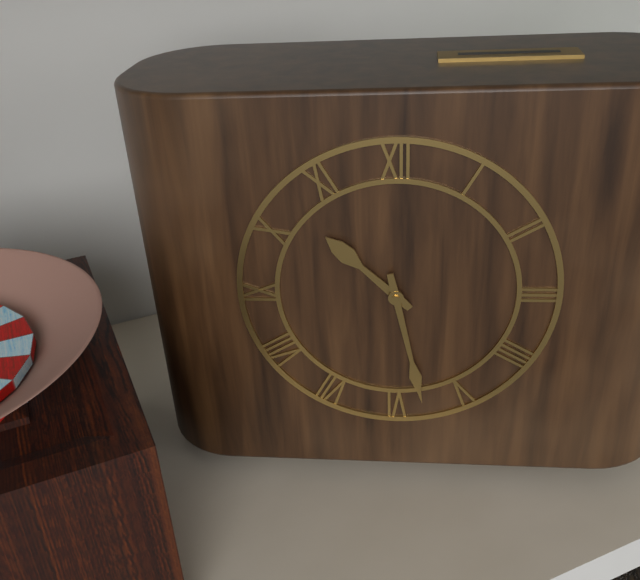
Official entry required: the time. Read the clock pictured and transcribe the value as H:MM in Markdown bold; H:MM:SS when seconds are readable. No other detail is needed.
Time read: **10:28**
